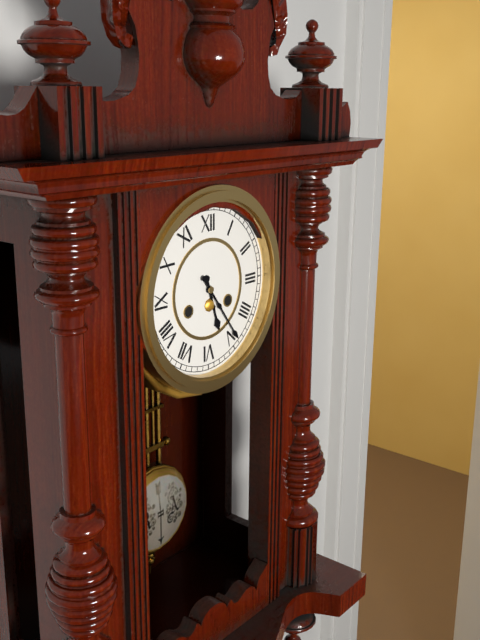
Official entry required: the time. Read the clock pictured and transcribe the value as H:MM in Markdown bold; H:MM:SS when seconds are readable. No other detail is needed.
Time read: **5:24**
